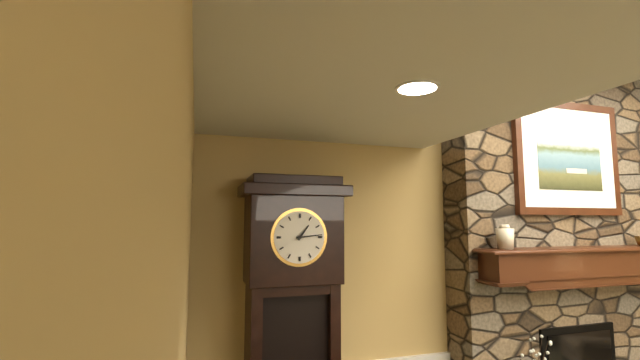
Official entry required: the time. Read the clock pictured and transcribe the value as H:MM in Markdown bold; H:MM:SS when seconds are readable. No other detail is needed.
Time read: **1:14**
